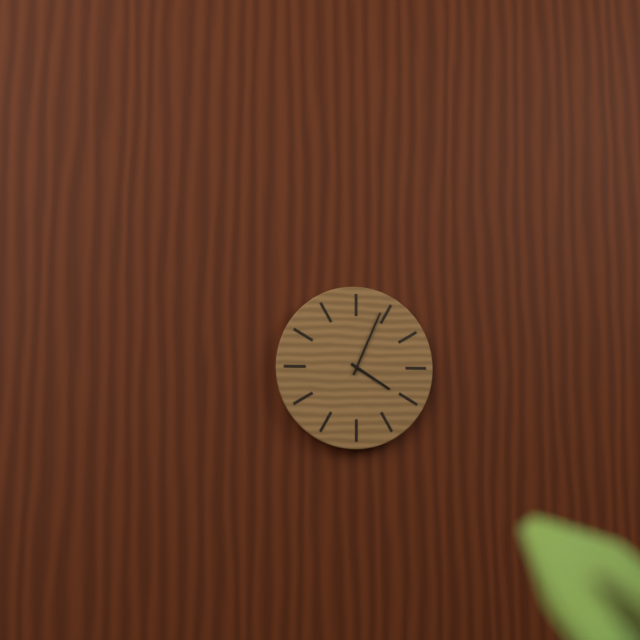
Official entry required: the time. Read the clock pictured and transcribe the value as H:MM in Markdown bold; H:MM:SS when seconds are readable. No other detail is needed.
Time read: **4:04**
